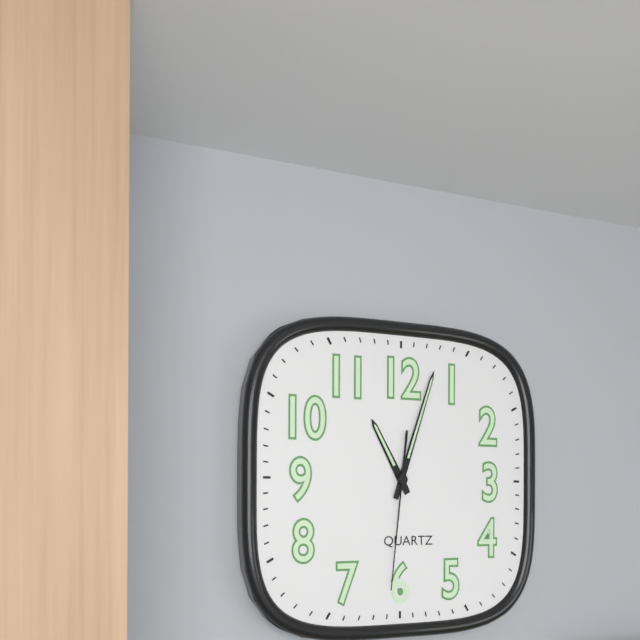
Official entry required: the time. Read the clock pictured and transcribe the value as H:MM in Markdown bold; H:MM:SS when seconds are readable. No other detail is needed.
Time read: **11:03:31**
